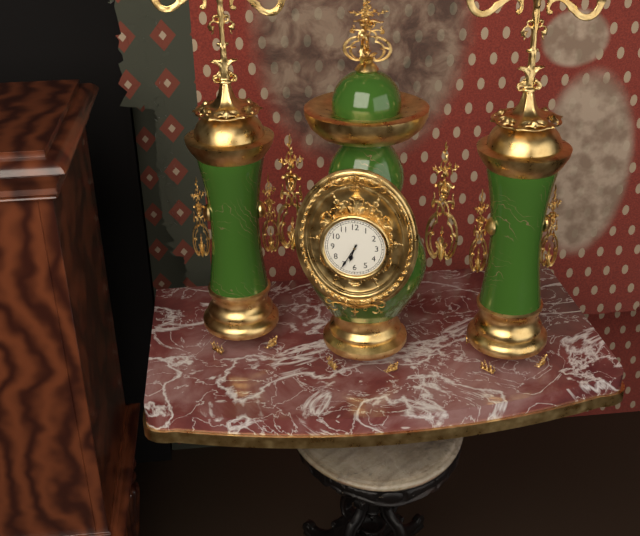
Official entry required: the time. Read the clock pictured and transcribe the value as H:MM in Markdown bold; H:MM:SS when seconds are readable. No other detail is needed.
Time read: **6:35**
